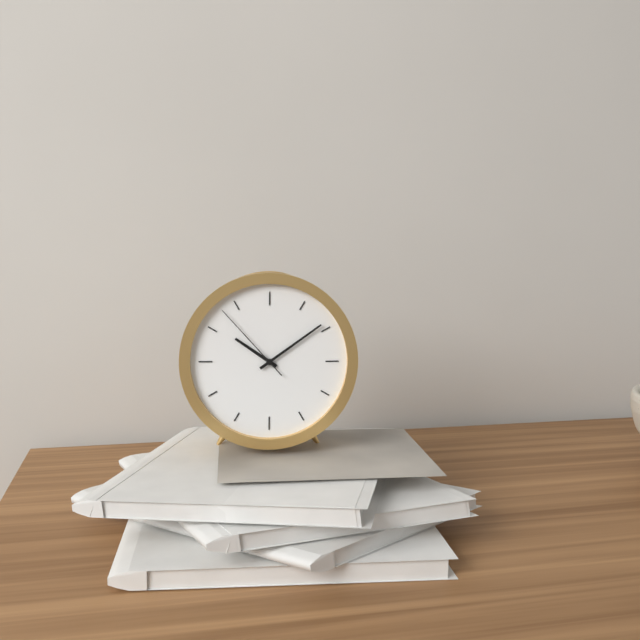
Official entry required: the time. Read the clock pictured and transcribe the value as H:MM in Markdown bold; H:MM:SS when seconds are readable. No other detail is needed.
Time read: **10:09:53**
